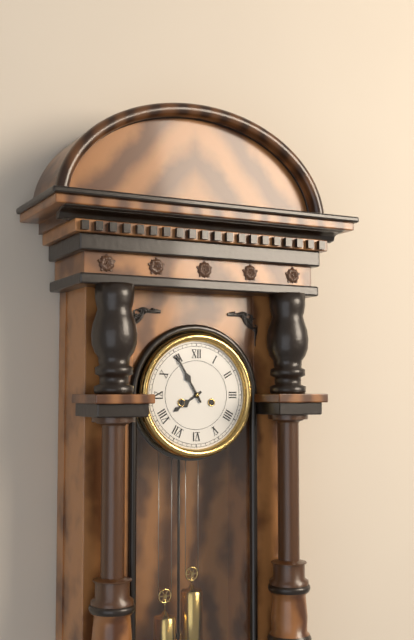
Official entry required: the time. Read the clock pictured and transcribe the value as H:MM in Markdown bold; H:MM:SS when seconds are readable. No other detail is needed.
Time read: **7:55**
